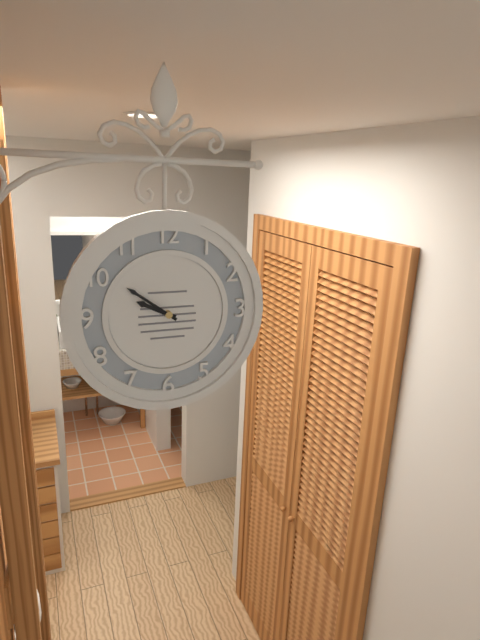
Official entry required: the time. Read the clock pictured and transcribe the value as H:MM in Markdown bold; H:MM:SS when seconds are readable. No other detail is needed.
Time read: **9:51**
